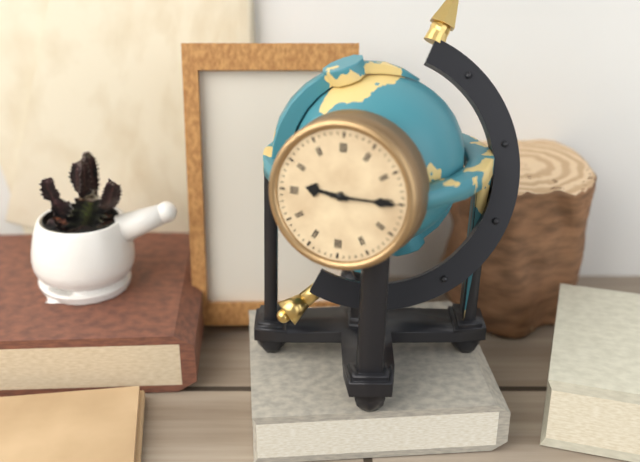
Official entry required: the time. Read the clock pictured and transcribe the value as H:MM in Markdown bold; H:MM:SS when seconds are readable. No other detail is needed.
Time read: **9:15**
